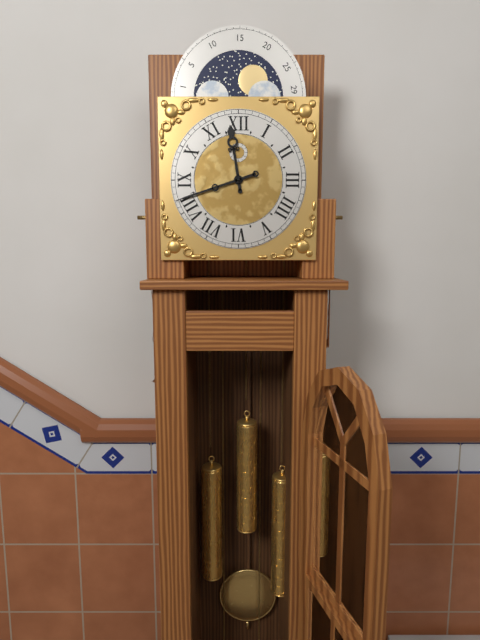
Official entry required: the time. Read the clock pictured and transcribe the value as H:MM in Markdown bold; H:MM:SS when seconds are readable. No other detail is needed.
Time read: **11:42**
